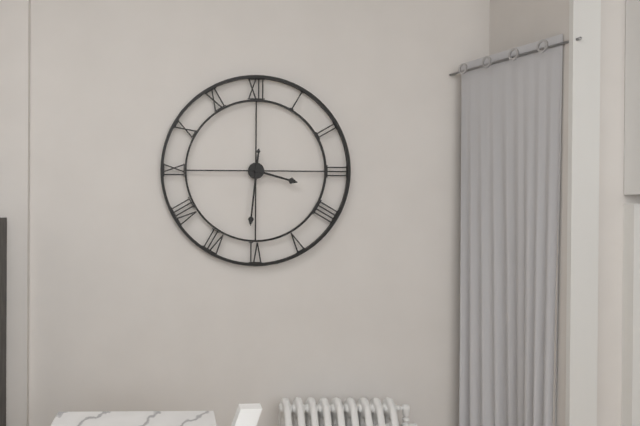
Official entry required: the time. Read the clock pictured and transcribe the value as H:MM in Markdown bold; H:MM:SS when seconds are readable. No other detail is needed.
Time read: **3:31**
